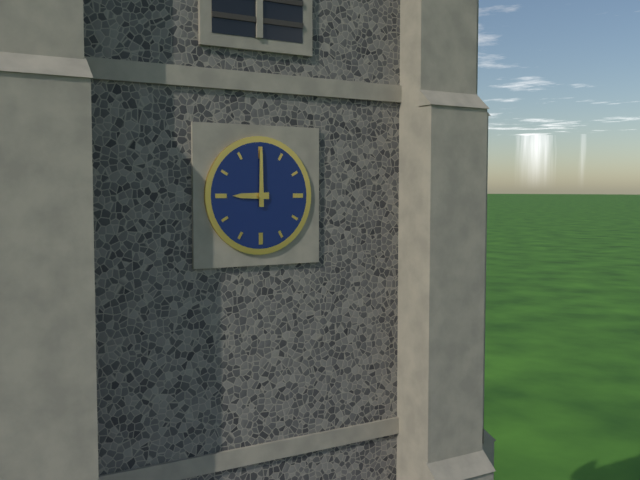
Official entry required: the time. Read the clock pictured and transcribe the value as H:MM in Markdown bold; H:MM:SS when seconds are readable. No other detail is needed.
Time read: **9:00**
